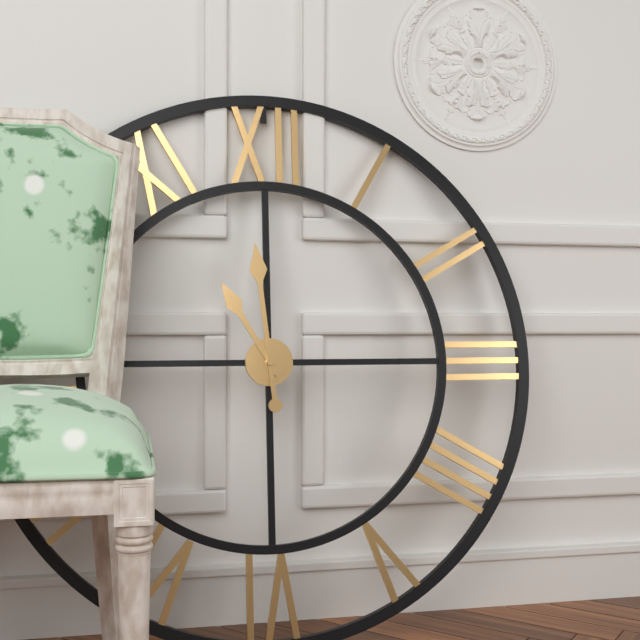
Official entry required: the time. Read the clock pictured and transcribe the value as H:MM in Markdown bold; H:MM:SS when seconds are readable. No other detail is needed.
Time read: **10:59**
